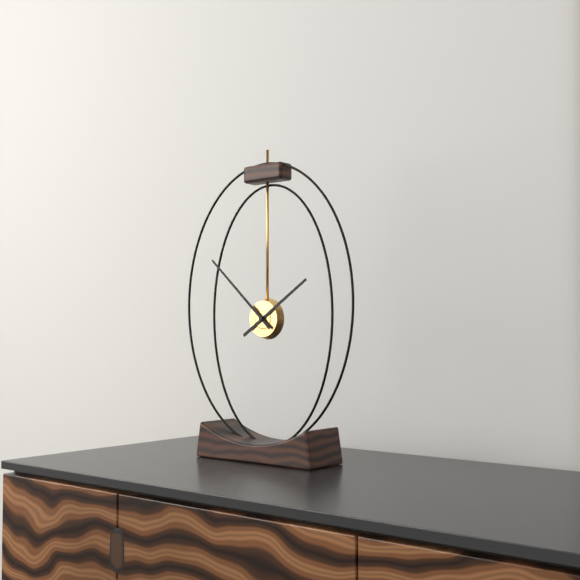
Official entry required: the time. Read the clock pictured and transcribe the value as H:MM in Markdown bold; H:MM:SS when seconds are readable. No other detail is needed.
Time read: **1:52**
